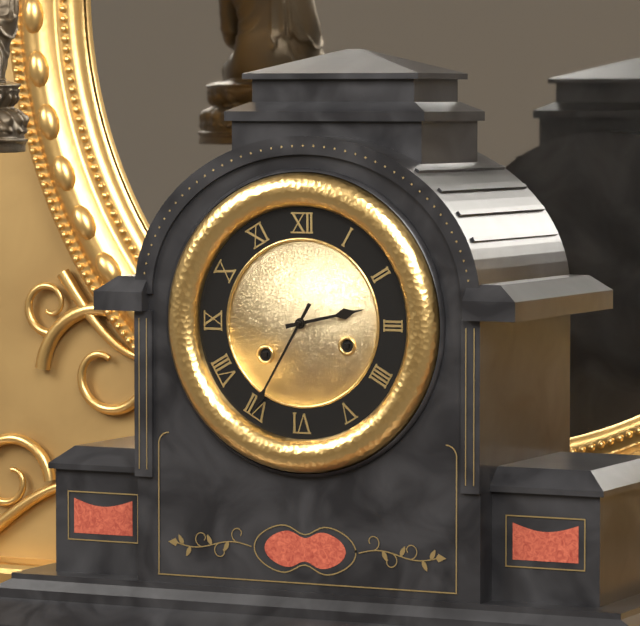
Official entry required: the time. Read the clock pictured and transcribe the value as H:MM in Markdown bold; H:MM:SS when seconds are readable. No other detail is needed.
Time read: **2:35**
